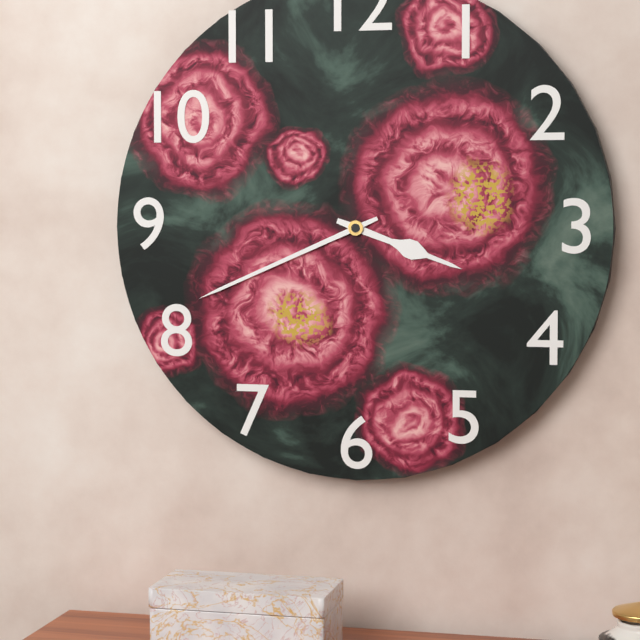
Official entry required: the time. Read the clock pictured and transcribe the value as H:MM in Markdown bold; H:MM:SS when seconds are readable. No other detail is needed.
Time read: **3:41**
